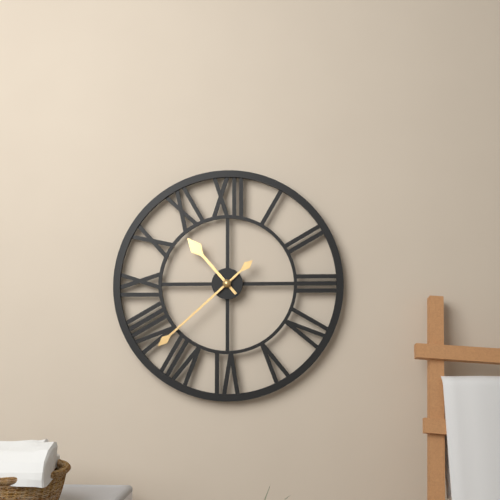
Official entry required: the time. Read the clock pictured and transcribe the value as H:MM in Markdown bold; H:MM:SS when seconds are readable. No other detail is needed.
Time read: **10:38**
